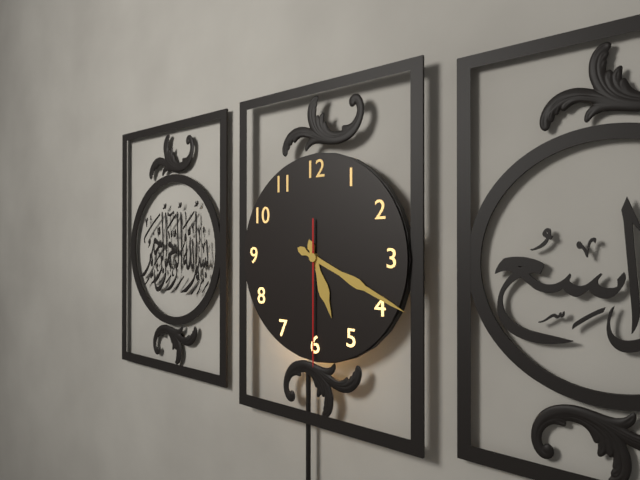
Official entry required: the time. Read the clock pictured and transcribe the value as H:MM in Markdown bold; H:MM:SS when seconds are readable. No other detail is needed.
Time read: **5:19:30**
